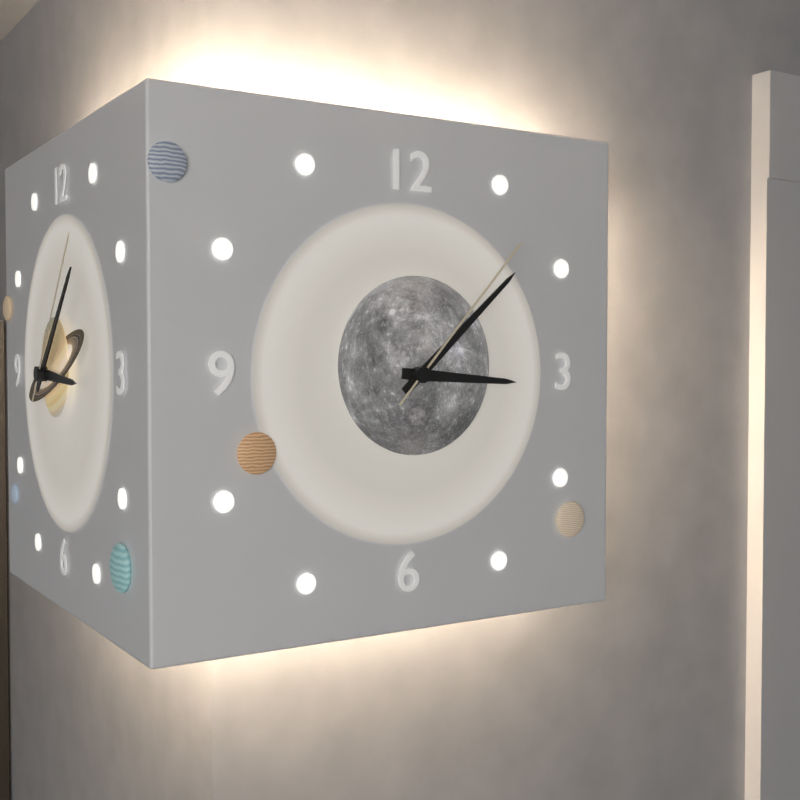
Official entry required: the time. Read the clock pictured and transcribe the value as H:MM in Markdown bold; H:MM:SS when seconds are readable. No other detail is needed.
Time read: **3:08:07**
